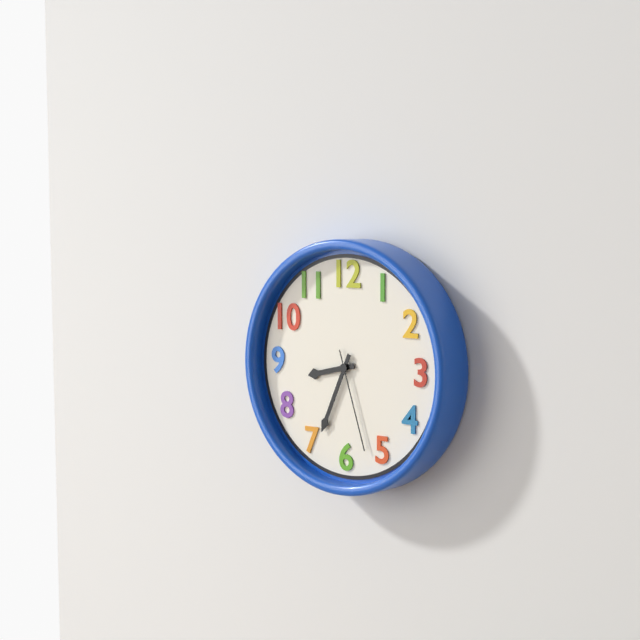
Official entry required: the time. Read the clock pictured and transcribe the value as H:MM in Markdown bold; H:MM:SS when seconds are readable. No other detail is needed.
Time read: **8:34:27**
